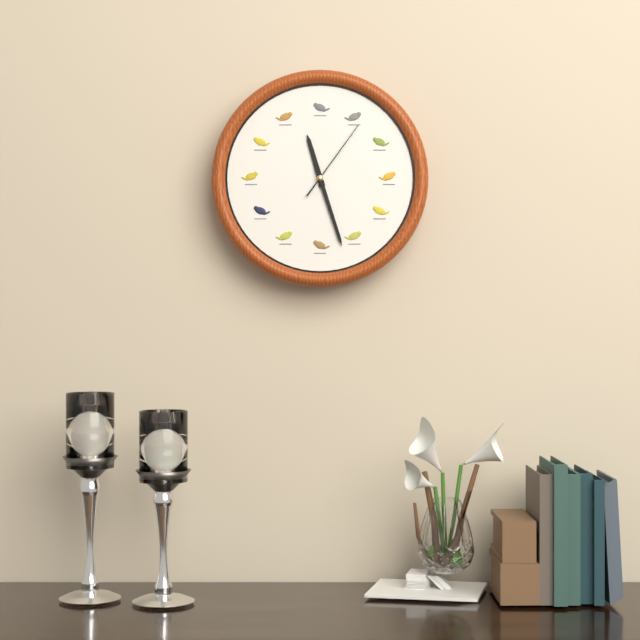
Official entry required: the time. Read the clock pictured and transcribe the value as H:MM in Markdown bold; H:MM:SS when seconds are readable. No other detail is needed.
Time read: **11:27:06**
